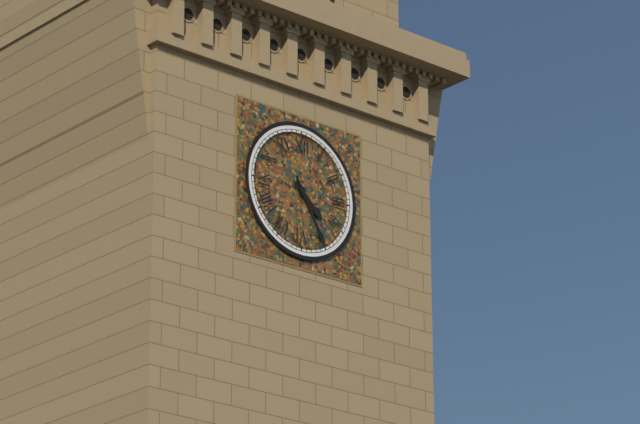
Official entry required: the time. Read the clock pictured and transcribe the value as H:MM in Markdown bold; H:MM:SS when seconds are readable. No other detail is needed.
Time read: **4:25**
